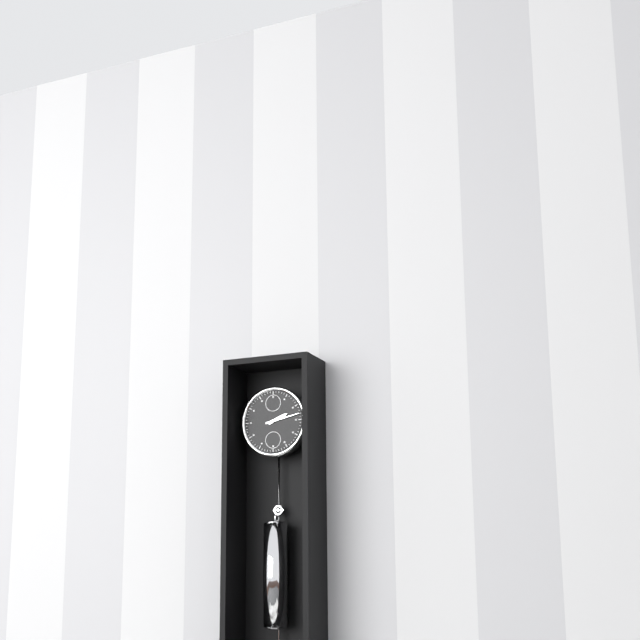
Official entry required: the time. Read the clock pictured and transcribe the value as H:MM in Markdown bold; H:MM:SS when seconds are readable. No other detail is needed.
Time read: **2:13**
